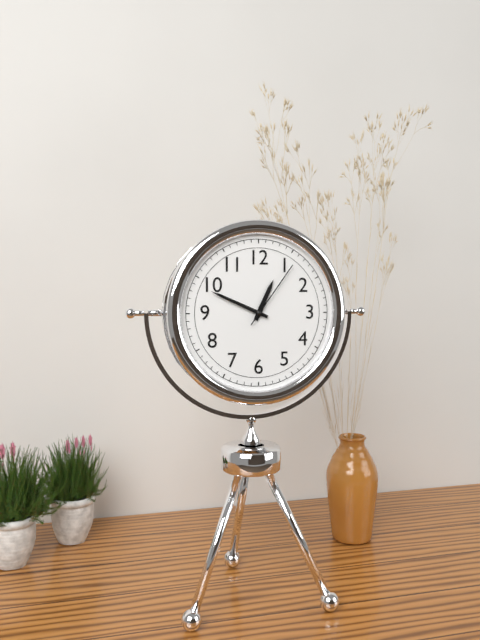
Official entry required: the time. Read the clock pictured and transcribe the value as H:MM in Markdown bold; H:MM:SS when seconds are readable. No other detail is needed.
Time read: **12:49:06**
